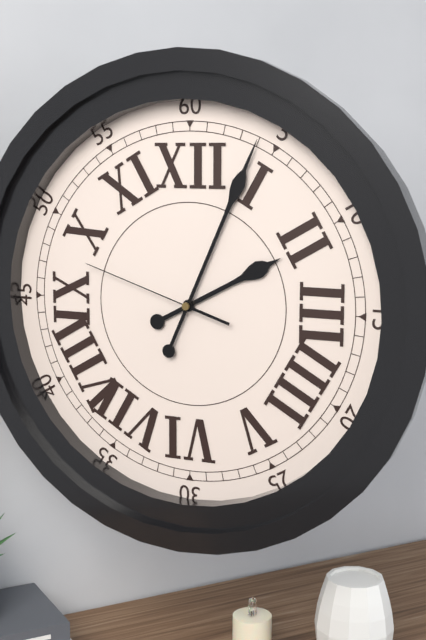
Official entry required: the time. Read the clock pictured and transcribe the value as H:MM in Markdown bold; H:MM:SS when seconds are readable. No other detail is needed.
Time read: **2:04:48**
